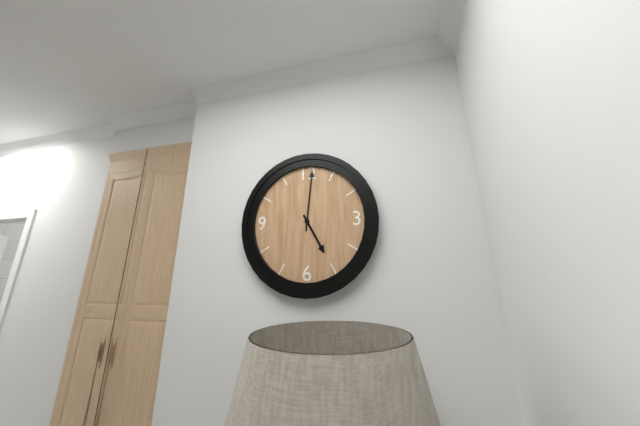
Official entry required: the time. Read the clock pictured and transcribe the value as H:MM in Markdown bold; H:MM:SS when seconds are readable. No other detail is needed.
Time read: **5:01**
